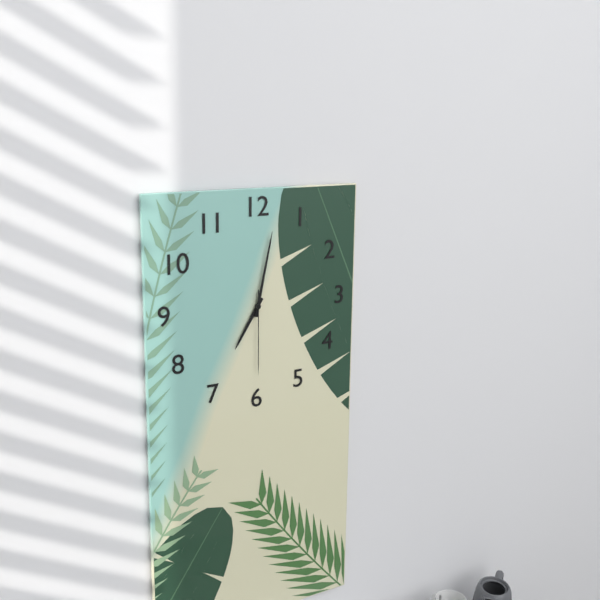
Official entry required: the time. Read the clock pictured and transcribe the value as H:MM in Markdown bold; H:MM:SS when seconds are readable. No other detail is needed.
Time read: **7:02:30**
